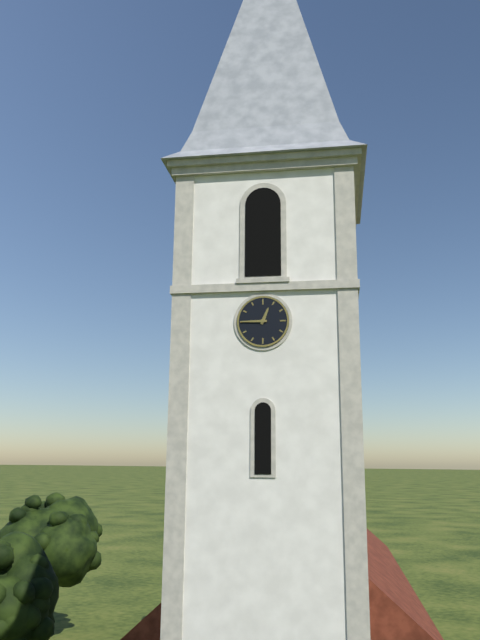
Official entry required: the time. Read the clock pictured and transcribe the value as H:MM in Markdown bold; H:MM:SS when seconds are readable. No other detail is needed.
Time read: **12:45**
